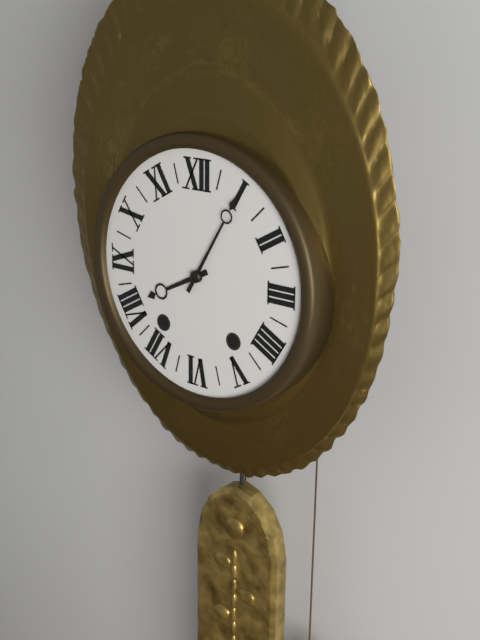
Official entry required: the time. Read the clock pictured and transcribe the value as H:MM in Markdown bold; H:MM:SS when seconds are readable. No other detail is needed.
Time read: **8:05**
